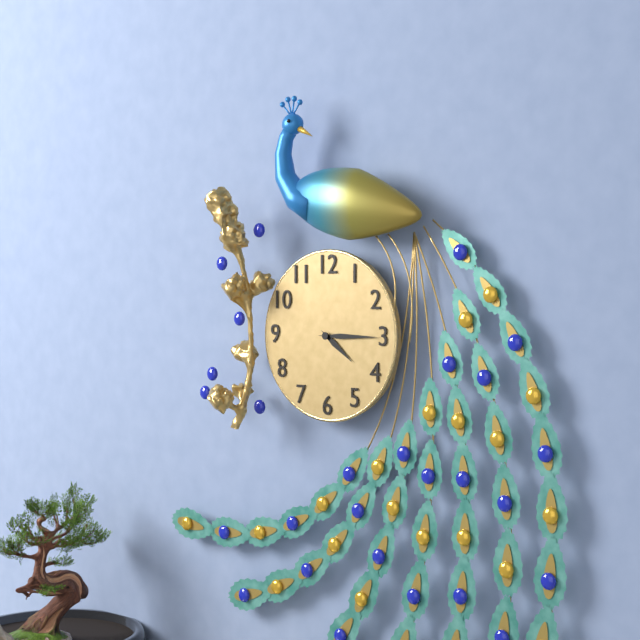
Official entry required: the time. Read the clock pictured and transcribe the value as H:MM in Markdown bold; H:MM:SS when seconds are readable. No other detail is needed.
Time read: **4:15**
